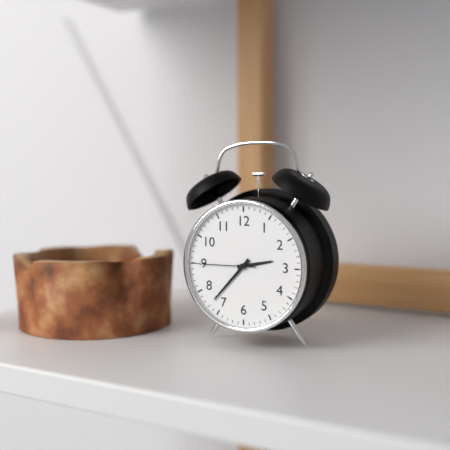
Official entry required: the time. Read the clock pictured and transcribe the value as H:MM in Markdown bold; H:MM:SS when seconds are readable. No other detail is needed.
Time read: **2:37:45**
